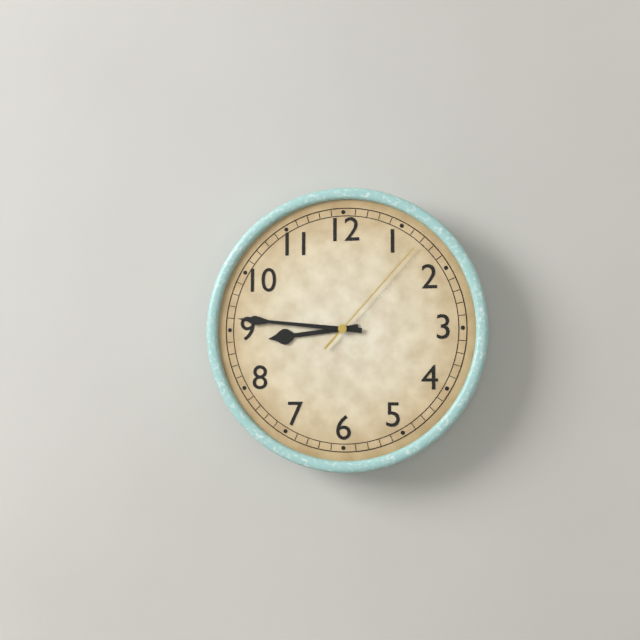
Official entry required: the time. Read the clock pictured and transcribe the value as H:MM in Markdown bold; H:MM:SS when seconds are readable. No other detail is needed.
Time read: **8:46:07**
